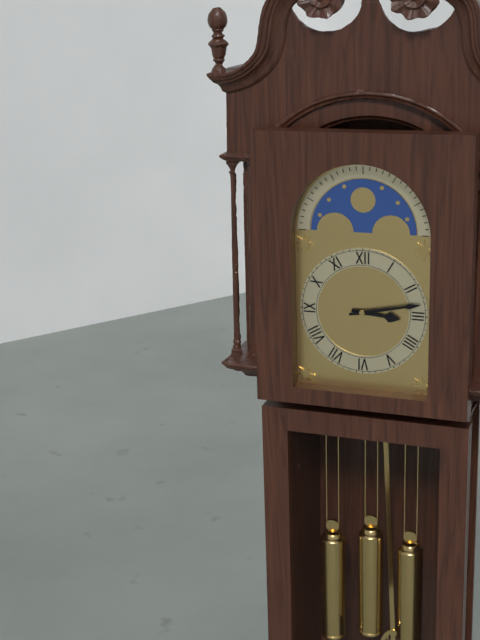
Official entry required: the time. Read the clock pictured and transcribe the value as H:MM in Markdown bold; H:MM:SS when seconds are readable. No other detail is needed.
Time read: **3:13**
